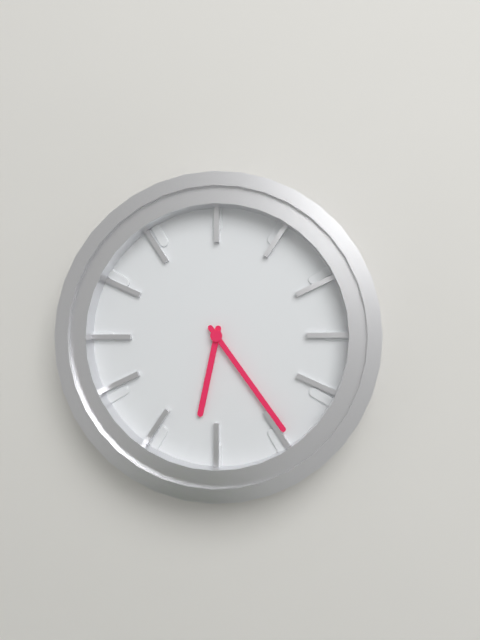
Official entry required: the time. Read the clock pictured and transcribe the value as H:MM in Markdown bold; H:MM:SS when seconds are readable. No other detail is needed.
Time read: **6:24**
